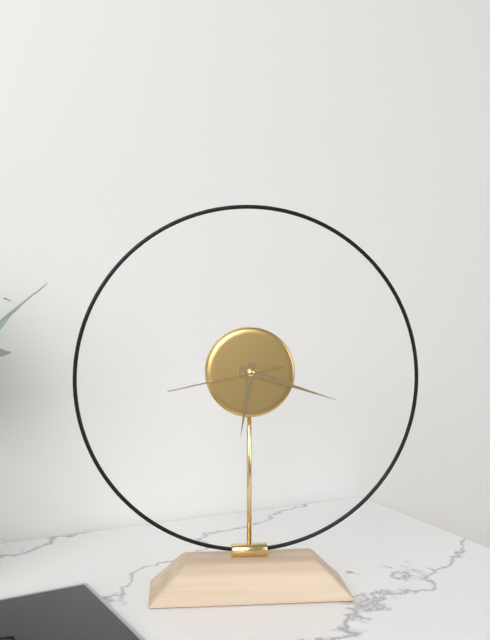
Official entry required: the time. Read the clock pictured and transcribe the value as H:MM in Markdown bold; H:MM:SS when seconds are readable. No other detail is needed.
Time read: **6:18:43**
